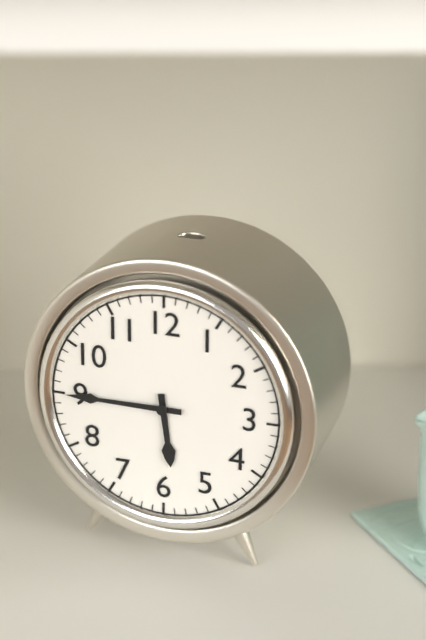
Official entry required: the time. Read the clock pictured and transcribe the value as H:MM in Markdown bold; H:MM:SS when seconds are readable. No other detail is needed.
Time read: **5:45**
